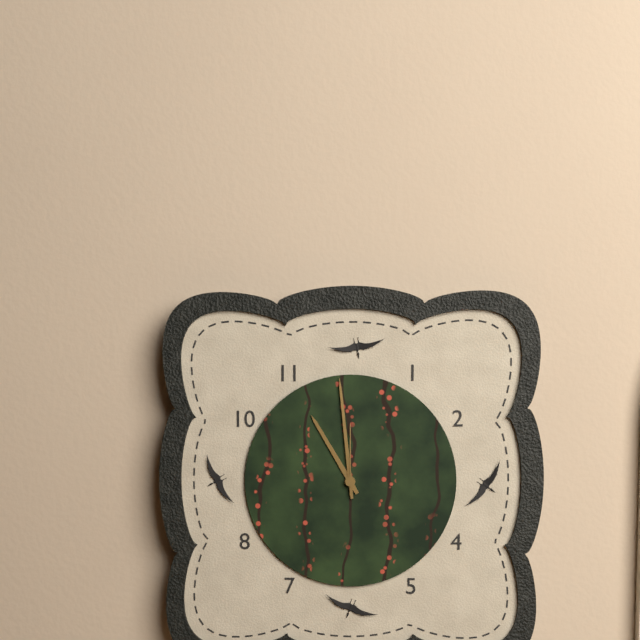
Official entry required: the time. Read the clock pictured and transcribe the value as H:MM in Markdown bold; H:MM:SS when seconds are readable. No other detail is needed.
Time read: **10:59:00**
